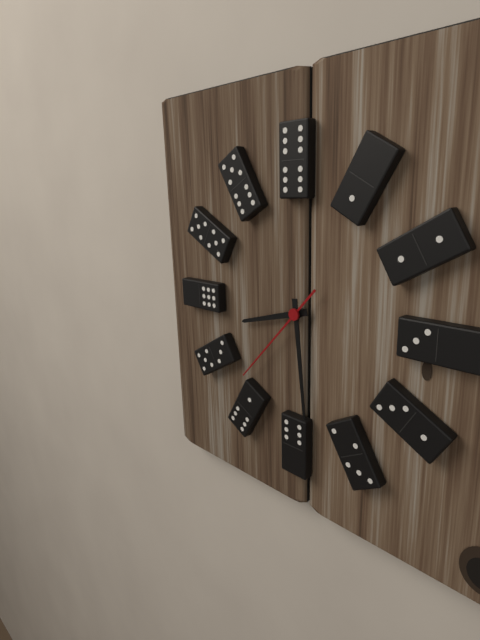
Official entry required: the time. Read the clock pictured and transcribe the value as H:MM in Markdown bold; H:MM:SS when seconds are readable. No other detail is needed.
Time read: **8:29:37**
